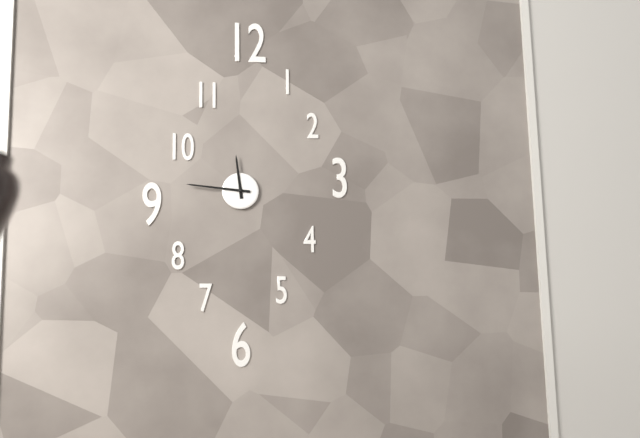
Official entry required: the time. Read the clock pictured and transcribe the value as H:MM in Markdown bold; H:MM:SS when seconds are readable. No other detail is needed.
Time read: **11:46**
